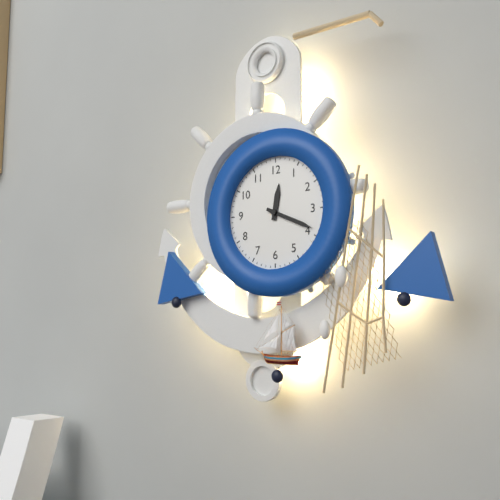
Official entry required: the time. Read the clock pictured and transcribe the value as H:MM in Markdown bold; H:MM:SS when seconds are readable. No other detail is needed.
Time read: **12:19**
